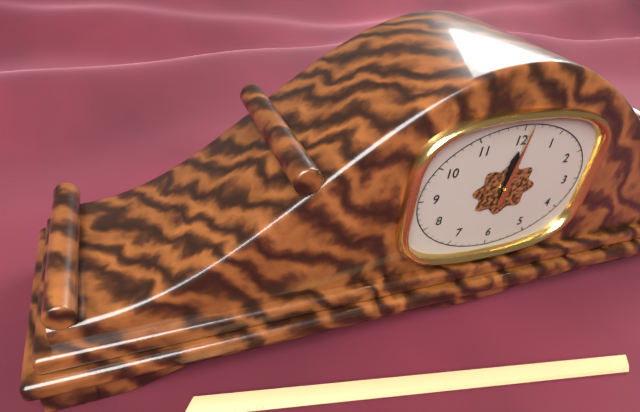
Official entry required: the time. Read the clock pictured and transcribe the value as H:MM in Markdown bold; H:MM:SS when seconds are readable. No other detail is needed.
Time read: **12:01**
